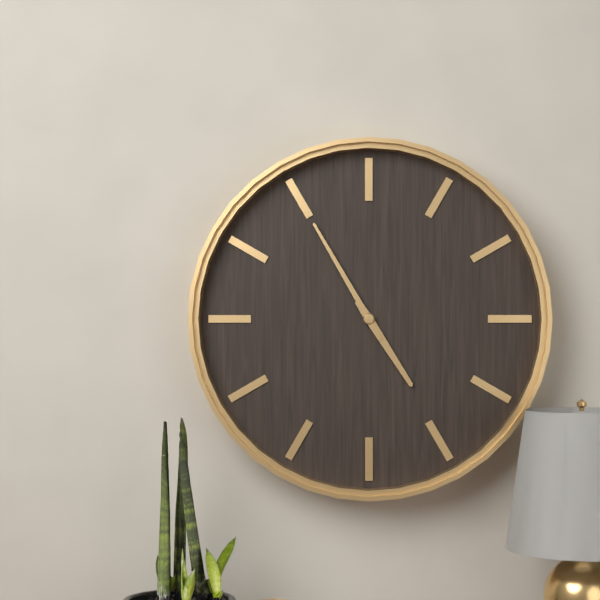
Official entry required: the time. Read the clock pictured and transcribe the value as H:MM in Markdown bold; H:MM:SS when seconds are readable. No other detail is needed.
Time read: **4:55**
